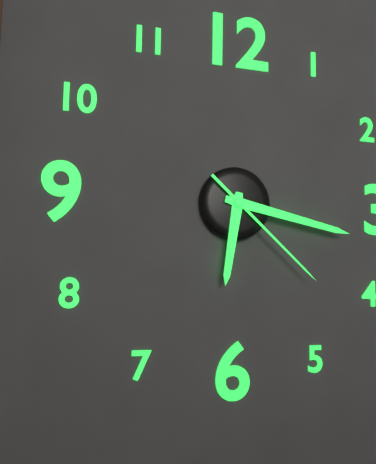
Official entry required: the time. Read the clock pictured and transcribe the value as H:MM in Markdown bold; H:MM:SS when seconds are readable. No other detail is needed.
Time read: **6:17:22**
